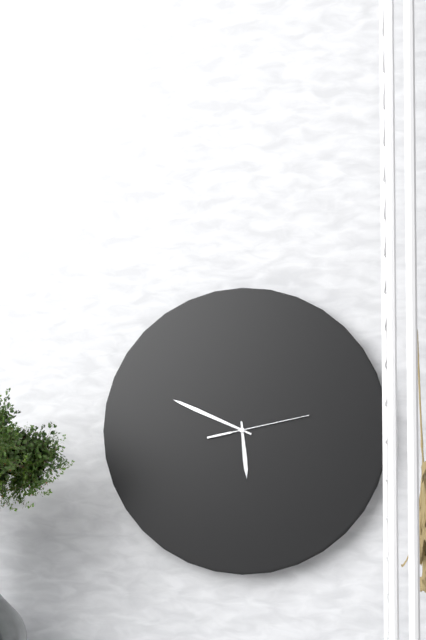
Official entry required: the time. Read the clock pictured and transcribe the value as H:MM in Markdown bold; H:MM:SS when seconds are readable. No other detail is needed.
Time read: **5:49:13**
